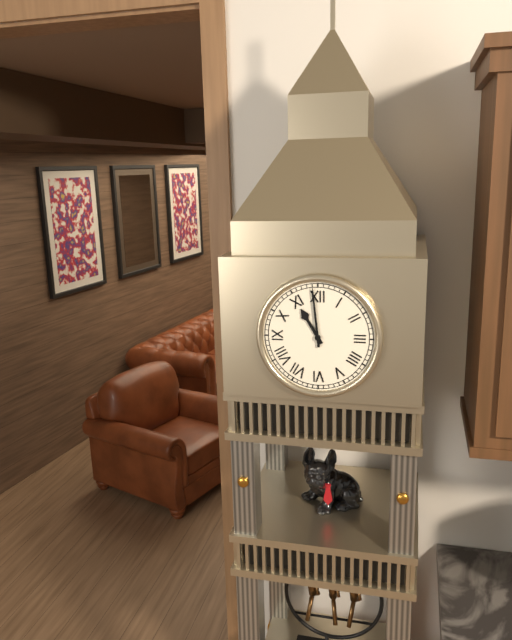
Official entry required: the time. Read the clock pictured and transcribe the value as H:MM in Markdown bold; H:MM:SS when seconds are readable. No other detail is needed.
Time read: **10:59**
